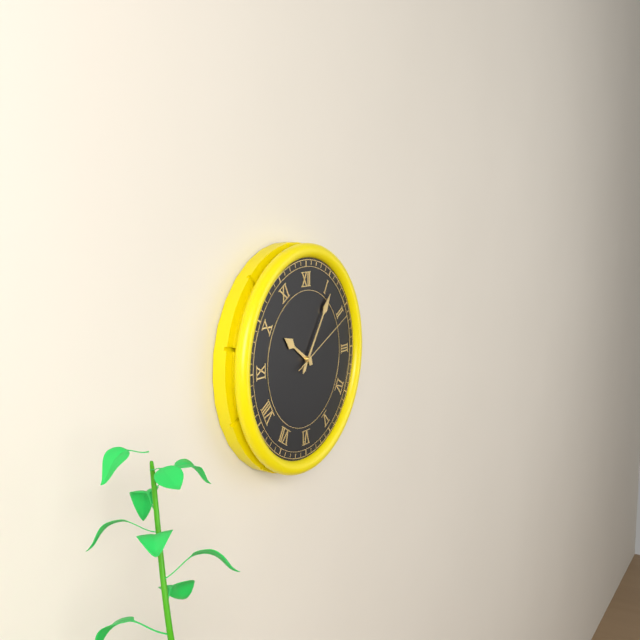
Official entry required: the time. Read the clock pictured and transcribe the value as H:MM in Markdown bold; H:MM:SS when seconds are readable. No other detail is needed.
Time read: **10:06:11**
